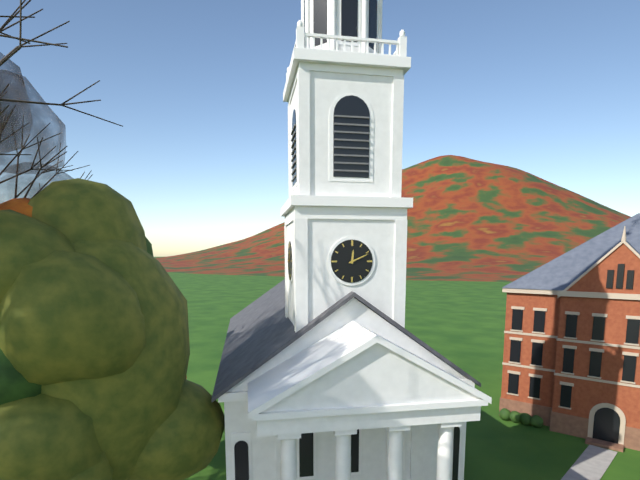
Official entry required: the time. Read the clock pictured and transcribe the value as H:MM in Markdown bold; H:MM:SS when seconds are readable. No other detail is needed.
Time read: **12:11**
